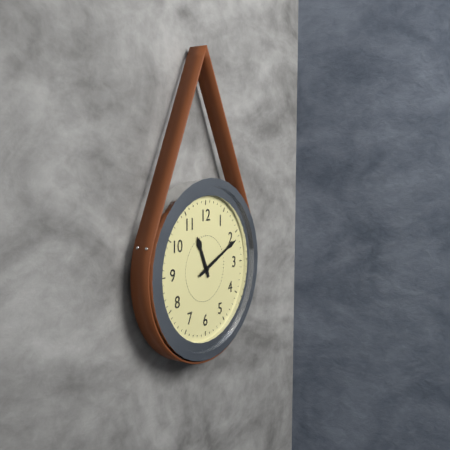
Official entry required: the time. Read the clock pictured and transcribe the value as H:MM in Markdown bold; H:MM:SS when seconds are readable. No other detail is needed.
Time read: **11:11**
